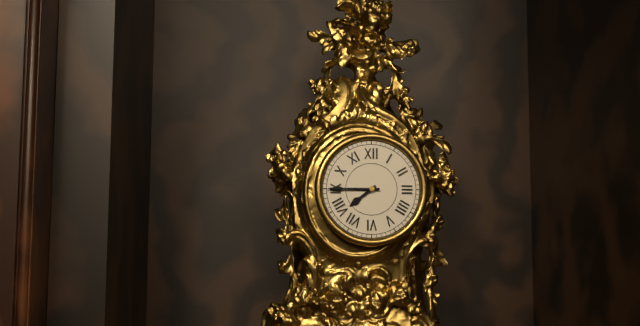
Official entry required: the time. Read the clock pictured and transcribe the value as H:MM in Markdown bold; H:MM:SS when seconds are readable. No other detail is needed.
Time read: **7:45**
